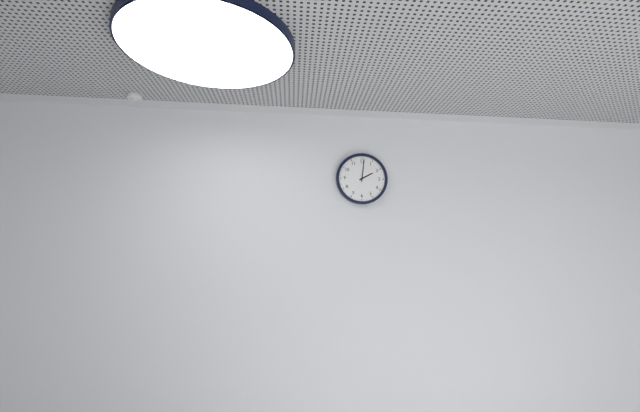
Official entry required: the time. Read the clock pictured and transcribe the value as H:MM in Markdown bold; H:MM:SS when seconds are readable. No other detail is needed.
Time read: **2:01**
